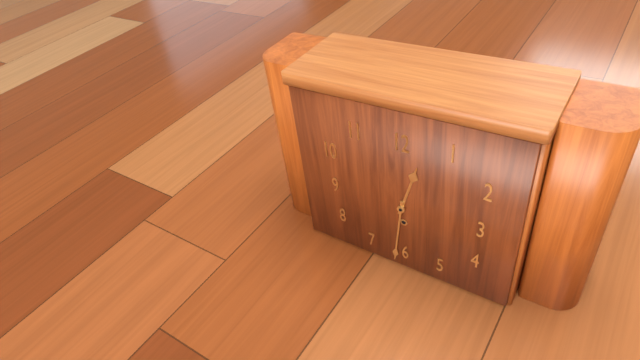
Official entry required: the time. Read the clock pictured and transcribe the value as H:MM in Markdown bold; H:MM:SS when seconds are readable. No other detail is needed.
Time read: **12:31**
